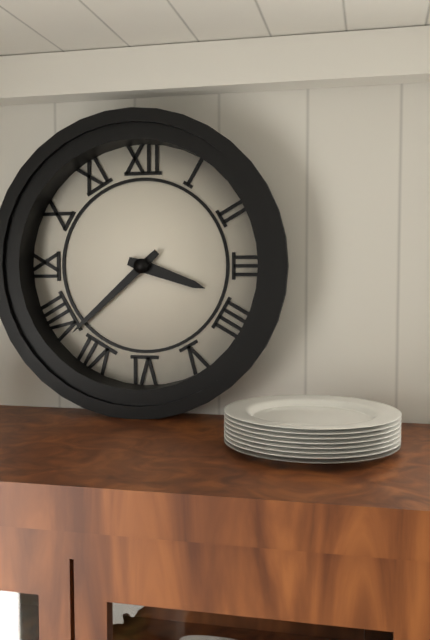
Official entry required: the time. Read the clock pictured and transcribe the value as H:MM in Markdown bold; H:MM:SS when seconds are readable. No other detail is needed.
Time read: **3:38**
